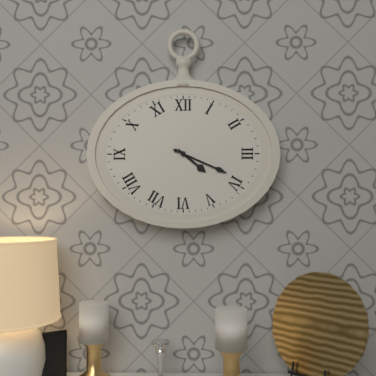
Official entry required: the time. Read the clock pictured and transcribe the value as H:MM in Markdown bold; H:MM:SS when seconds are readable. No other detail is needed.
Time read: **4:19**
